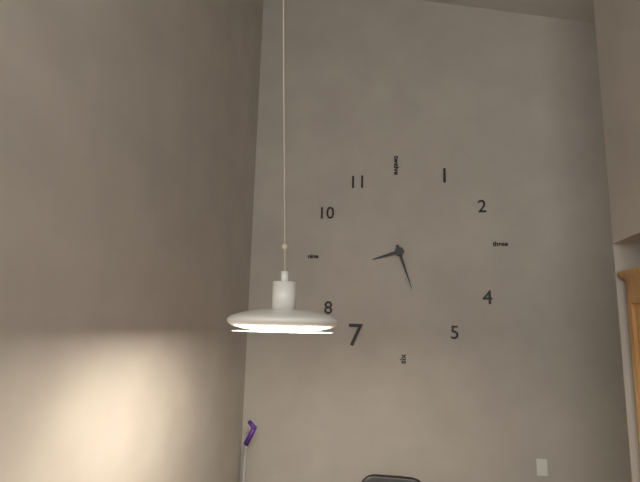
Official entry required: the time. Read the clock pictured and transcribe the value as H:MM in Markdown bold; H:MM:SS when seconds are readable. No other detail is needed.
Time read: **8:27**
